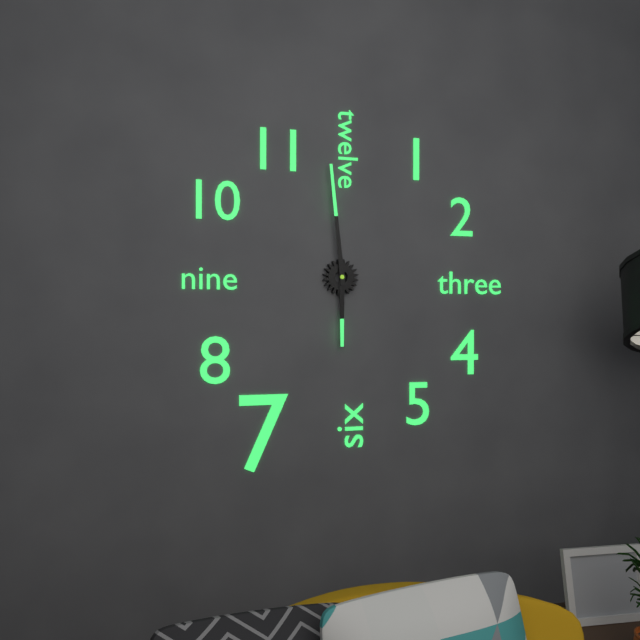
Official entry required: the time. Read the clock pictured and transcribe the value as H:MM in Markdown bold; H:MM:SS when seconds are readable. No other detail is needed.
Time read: **5:59**
